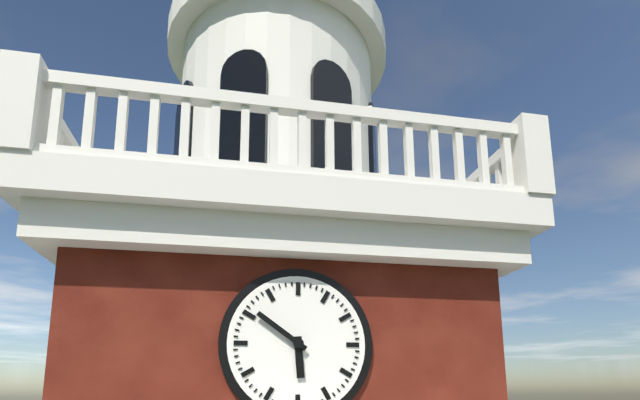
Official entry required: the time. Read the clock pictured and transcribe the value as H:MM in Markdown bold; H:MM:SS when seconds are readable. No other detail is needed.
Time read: **5:51**
